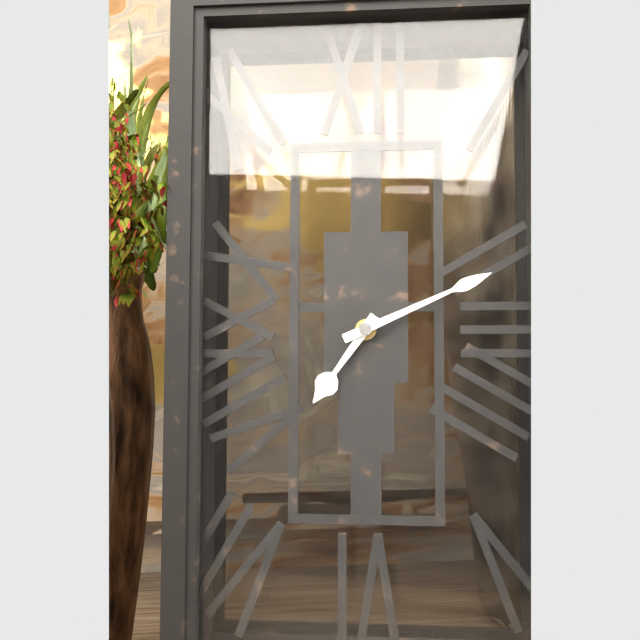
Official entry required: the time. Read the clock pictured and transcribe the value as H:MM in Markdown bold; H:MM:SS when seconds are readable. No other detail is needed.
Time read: **7:11**
